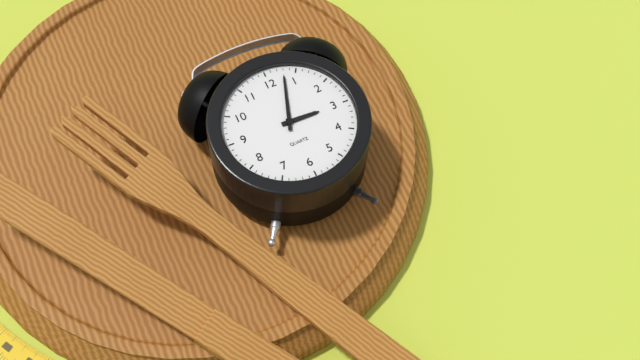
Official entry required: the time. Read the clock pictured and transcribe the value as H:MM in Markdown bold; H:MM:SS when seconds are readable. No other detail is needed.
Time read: **3:03**
